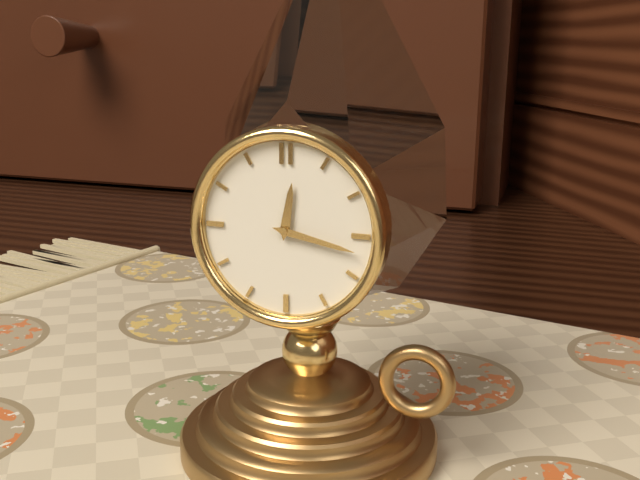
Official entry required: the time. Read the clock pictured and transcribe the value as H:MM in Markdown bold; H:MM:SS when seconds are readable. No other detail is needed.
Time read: **12:17**
